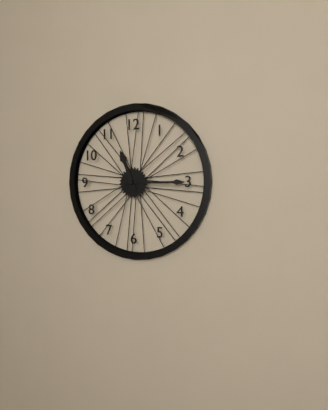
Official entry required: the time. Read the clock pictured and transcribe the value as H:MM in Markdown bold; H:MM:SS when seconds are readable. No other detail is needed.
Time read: **11:15**
